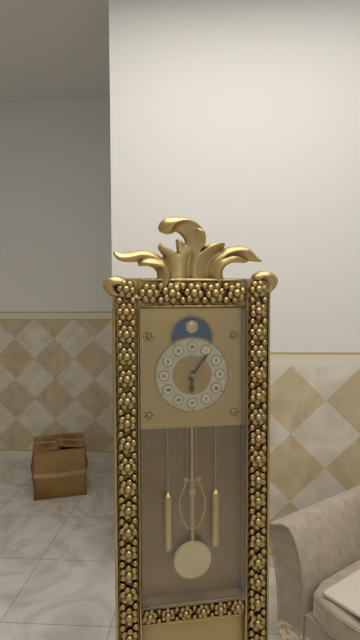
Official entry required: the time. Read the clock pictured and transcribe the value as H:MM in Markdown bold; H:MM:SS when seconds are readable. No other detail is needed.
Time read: **6:06**
